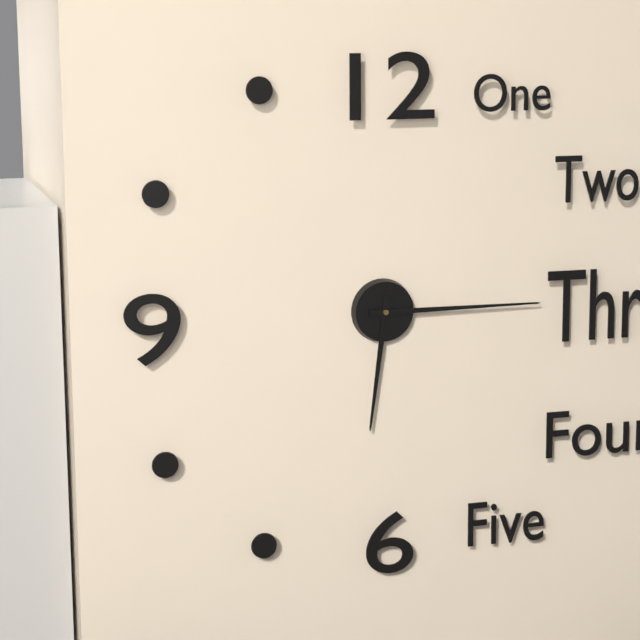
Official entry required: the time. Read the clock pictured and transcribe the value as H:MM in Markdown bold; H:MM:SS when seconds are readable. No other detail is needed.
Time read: **6:15**
